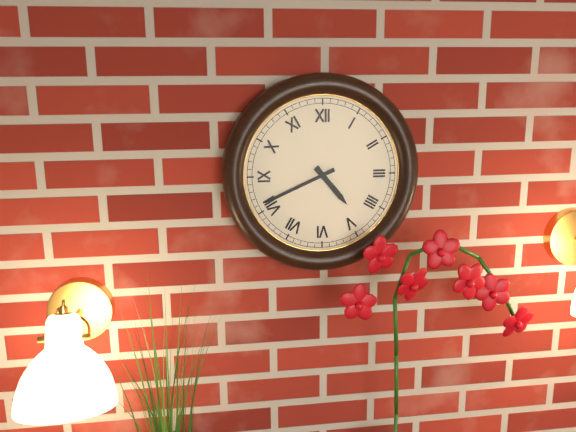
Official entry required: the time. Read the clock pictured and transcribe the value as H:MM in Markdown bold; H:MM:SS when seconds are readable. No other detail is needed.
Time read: **4:41**
